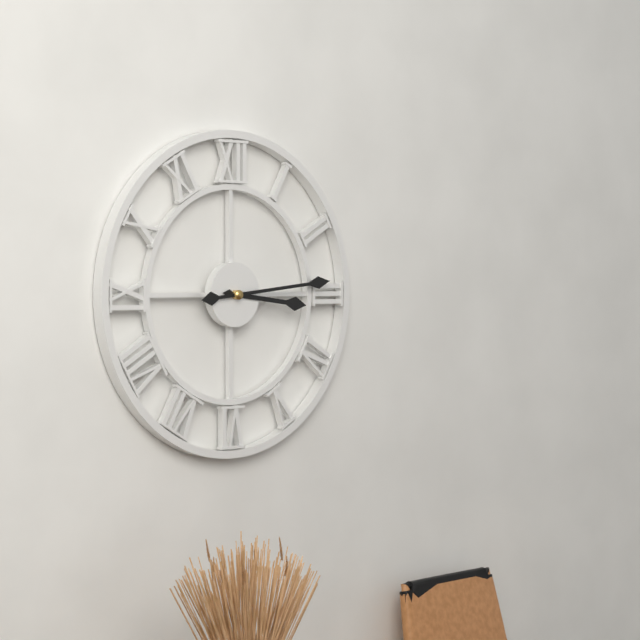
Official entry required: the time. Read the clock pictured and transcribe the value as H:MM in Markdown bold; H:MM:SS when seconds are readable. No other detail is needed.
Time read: **3:14**
